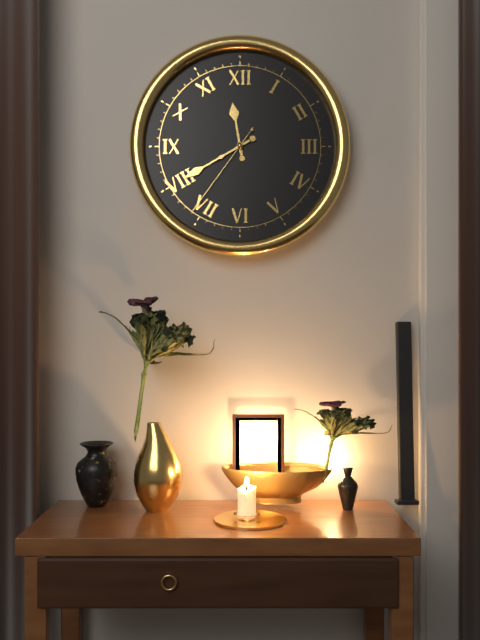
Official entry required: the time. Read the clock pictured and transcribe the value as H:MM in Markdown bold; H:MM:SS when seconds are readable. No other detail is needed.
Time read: **11:40:36**
